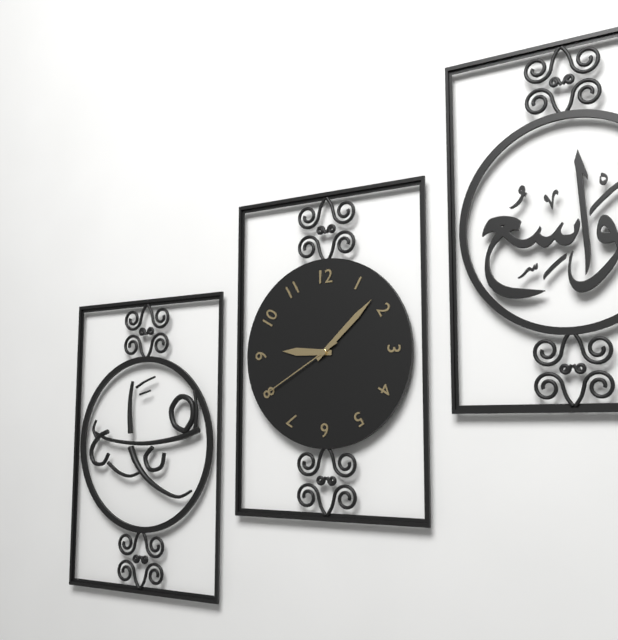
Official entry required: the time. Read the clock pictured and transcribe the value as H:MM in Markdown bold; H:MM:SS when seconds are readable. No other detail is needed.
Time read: **9:08:40**
